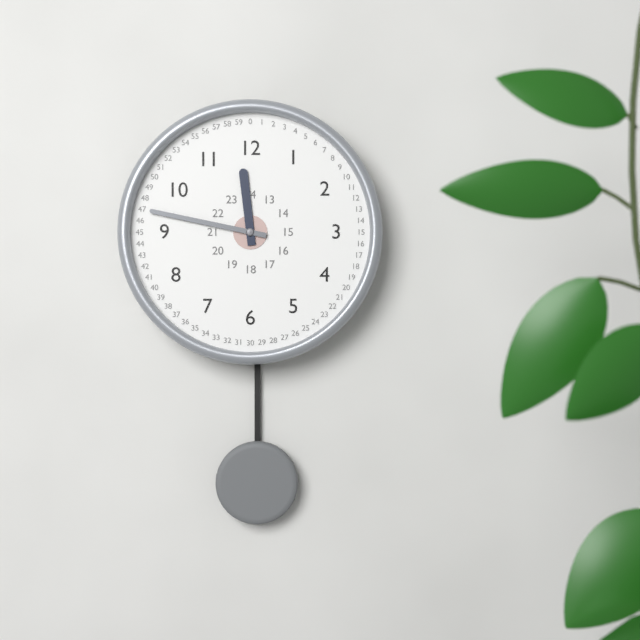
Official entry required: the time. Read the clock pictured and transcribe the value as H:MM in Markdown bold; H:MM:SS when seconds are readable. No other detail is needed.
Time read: **11:47**
